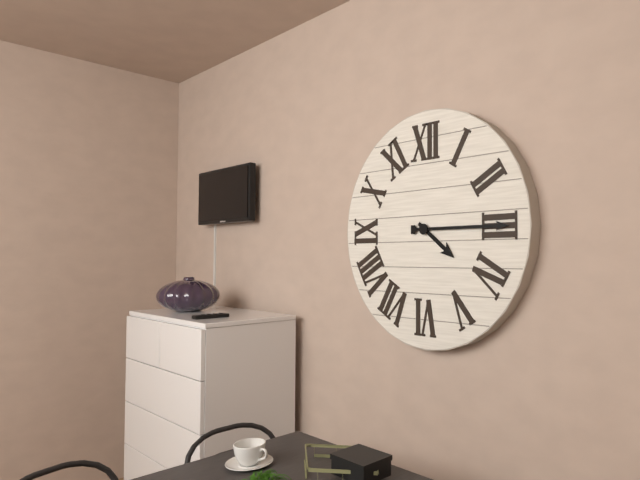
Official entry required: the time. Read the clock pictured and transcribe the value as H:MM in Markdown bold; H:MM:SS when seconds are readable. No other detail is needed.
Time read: **4:15**
